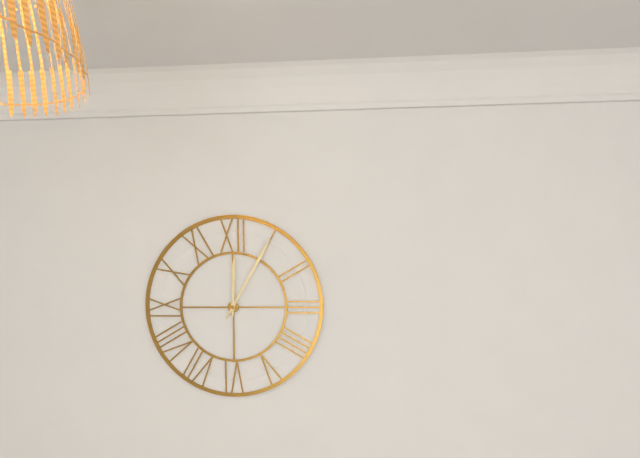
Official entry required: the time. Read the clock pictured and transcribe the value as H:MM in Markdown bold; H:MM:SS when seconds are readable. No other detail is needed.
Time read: **12:05**
